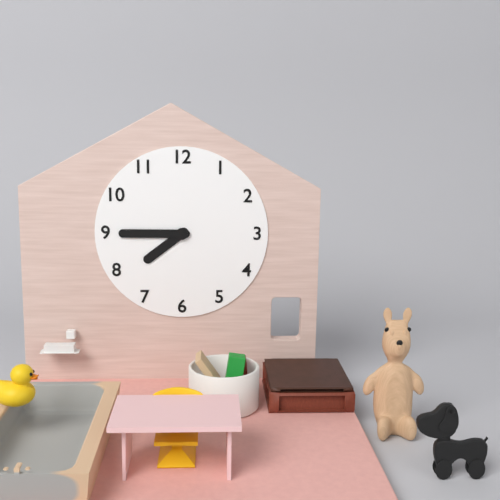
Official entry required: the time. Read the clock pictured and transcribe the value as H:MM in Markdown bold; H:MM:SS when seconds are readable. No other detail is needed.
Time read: **7:45**
